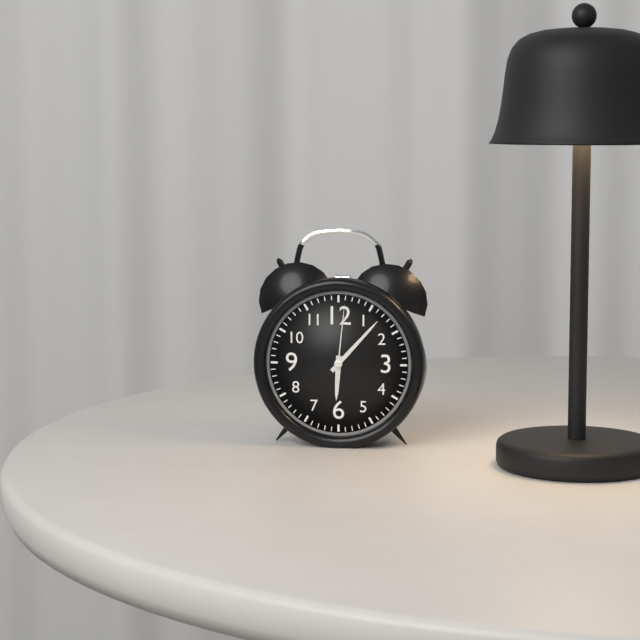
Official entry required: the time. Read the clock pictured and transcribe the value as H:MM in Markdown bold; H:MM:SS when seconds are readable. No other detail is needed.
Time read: **6:07:01**
